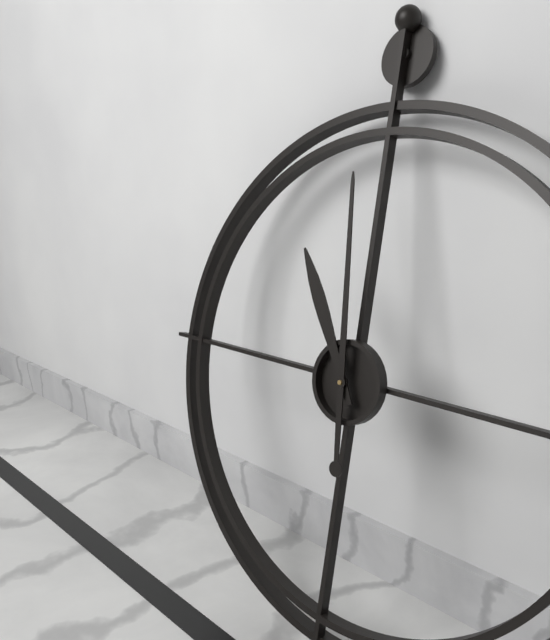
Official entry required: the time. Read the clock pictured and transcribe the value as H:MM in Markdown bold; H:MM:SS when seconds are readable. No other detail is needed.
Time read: **10:59**
